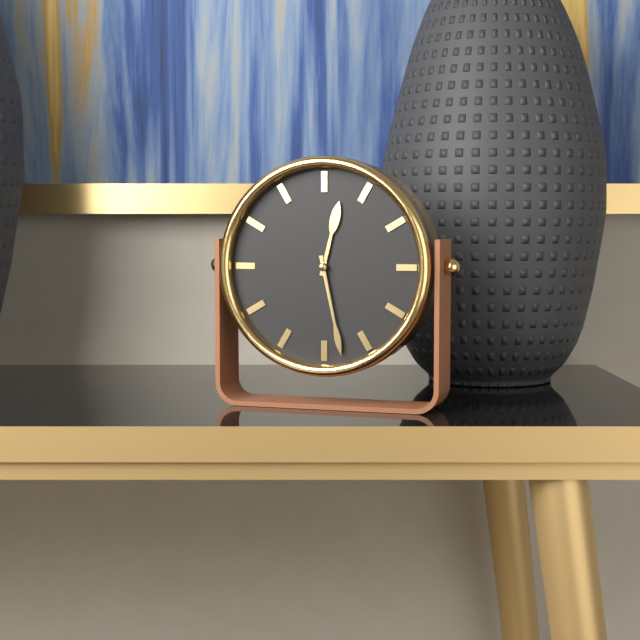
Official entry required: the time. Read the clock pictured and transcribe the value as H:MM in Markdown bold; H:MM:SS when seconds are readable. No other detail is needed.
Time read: **12:28**
